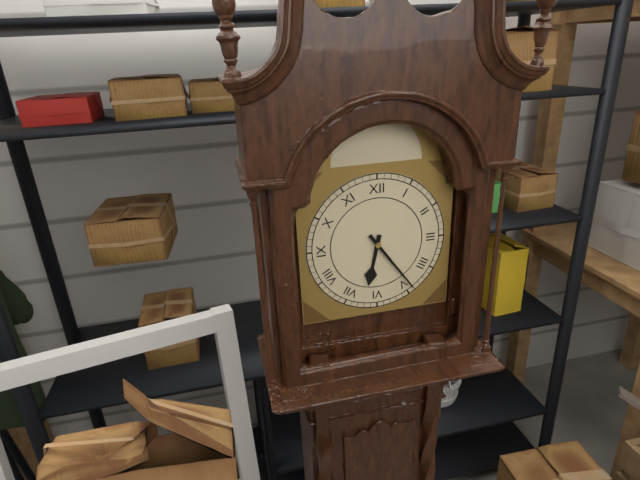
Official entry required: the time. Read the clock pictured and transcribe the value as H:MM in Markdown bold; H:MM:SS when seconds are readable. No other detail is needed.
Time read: **6:24**
